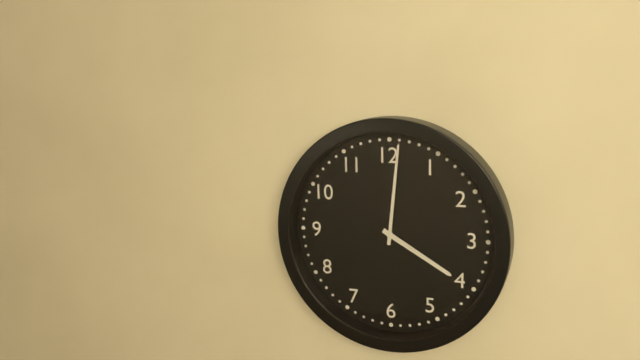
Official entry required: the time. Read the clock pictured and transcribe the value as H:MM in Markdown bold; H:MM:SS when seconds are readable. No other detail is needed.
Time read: **4:01**
